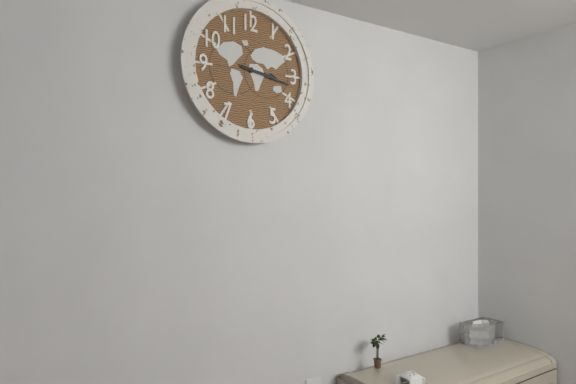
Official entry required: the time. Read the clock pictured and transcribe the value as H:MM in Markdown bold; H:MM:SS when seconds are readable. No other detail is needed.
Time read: **3:17**
